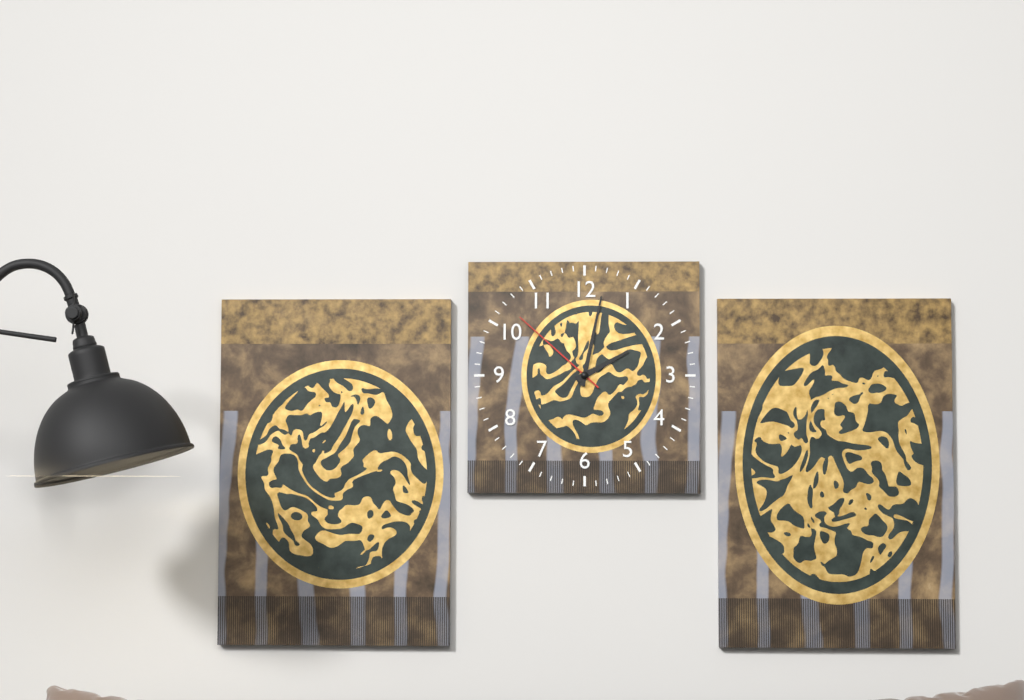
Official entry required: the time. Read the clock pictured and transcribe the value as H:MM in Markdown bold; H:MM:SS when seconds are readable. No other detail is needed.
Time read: **2:02:52**
